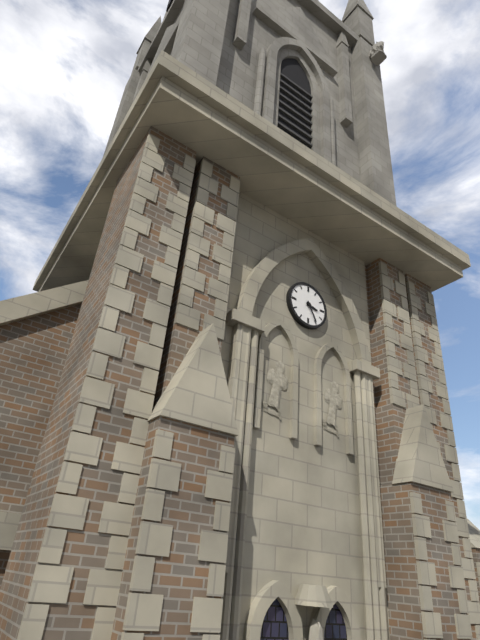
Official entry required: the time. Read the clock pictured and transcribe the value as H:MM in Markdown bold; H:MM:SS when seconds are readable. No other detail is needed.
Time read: **3:25**
